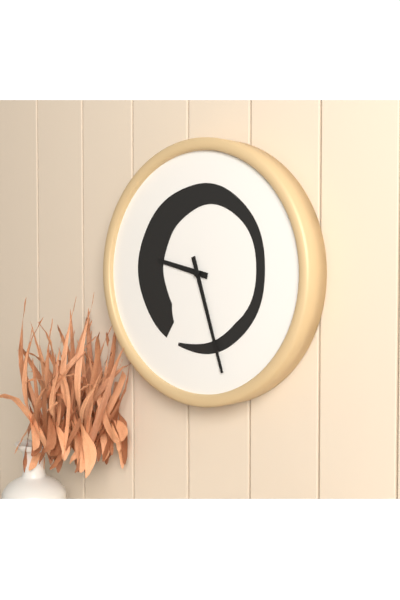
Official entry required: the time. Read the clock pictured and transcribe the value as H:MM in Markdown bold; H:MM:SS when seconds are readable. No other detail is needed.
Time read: **9:27**
